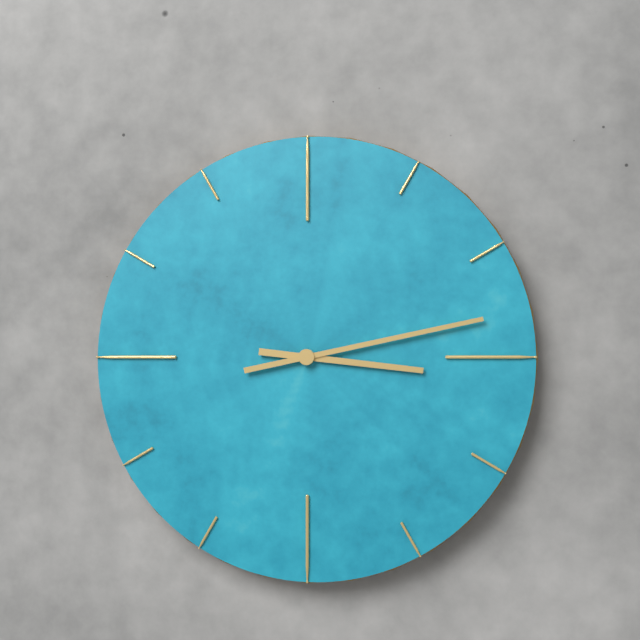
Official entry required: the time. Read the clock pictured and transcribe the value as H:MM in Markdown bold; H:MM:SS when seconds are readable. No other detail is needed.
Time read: **3:13**
